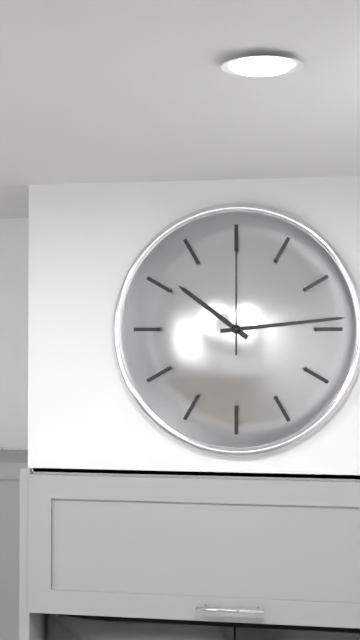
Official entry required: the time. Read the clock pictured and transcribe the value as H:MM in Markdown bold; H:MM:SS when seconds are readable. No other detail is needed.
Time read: **10:14:00**
